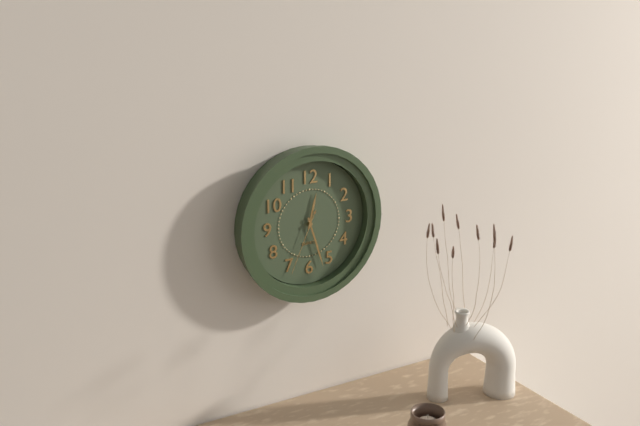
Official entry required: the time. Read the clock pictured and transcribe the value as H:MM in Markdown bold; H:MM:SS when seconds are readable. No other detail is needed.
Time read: **12:27:34**
